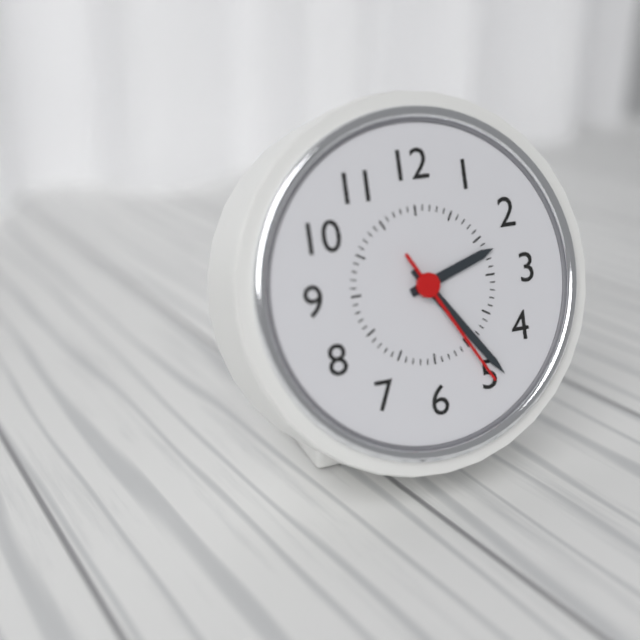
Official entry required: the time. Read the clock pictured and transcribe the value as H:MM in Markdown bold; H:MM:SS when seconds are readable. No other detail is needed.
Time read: **2:24:25**
